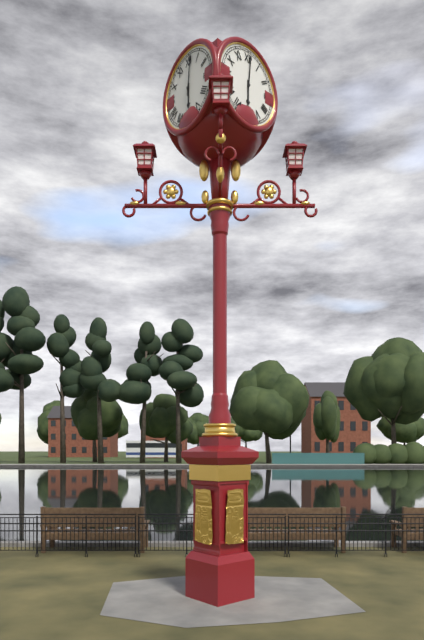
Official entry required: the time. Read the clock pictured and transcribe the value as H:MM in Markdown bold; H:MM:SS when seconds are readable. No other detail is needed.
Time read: **6:01**
